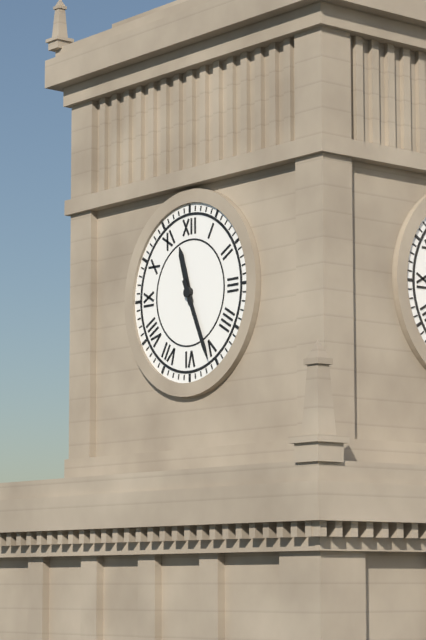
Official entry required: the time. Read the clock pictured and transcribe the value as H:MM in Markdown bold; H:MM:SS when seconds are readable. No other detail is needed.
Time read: **11:26**
